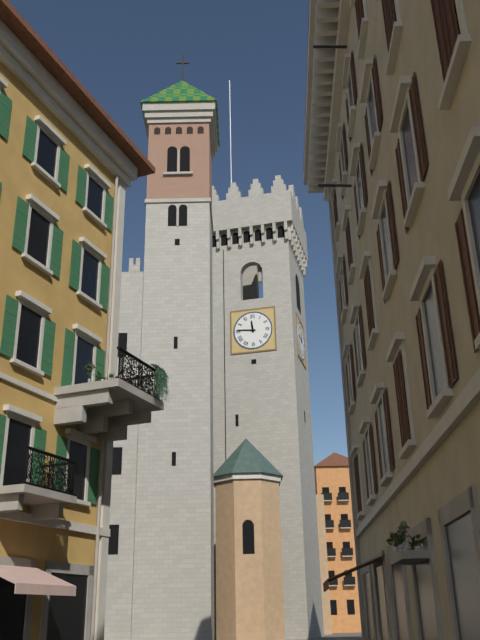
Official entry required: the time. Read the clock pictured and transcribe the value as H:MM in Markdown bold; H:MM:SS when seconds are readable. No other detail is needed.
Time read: **11:46**
